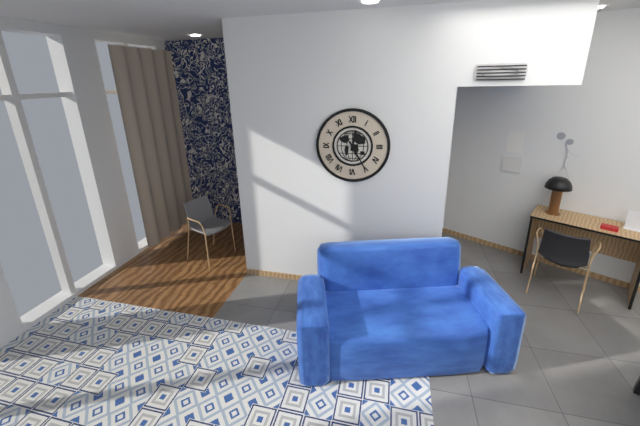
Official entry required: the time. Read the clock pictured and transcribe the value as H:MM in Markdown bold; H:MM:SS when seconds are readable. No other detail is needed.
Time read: **12:25**
